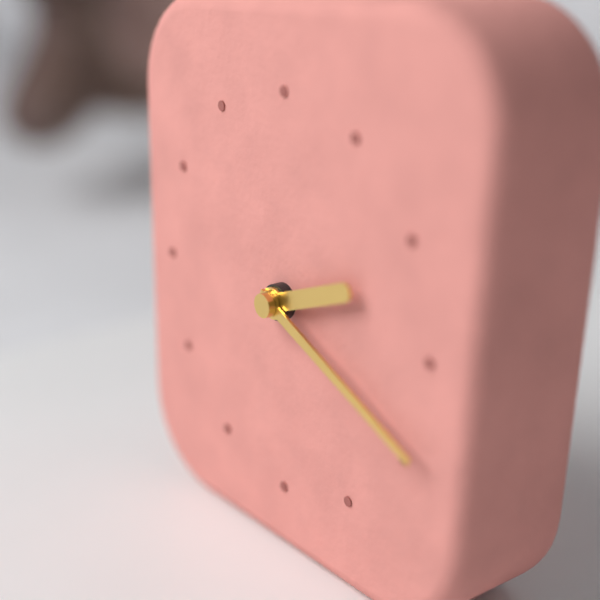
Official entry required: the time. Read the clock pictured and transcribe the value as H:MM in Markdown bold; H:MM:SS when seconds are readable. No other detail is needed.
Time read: **2:19**
